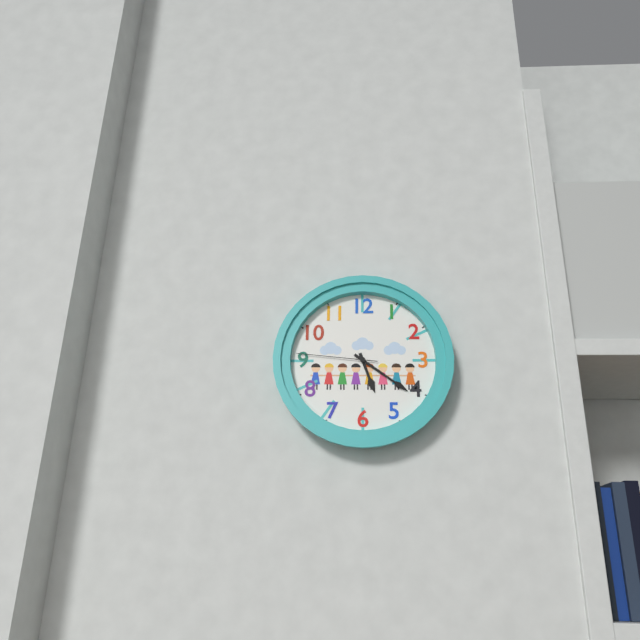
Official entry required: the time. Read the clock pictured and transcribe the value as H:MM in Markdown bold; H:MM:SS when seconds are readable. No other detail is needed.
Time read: **5:21:46**
